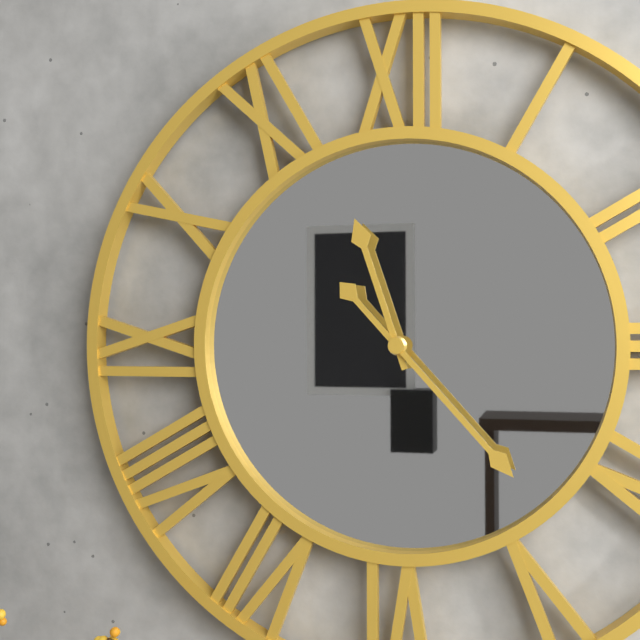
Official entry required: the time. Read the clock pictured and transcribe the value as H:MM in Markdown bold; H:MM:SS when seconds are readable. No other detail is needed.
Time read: **11:23**
